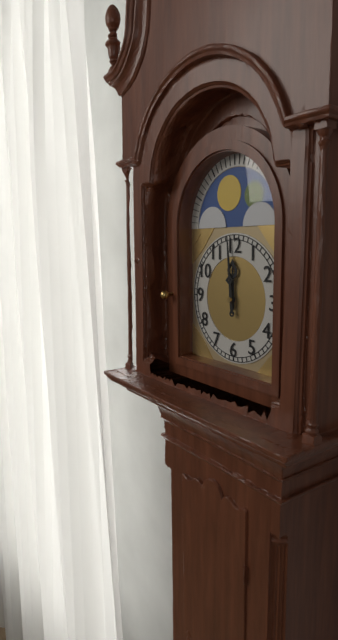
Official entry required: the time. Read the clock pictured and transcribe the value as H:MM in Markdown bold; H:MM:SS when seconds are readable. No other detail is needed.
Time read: **11:59**
